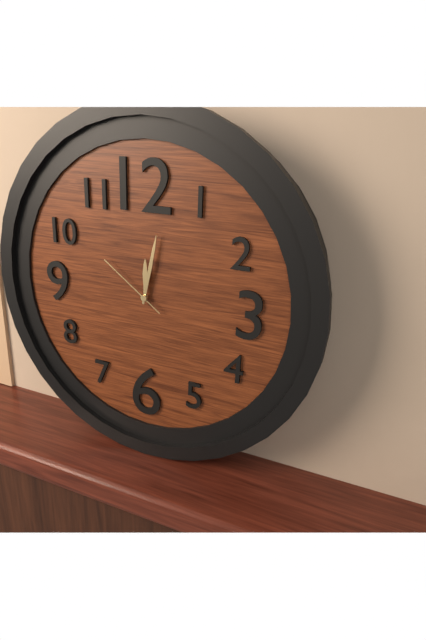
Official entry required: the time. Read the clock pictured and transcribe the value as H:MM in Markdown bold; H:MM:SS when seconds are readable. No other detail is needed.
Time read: **12:02:51**
